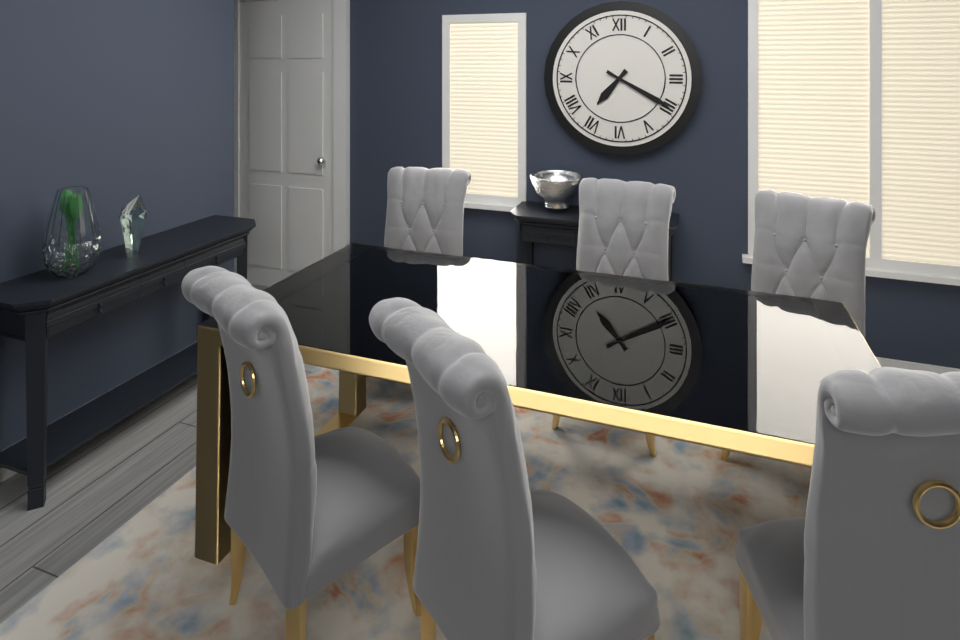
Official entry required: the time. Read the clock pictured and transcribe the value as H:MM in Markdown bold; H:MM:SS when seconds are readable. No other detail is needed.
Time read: **7:20**
